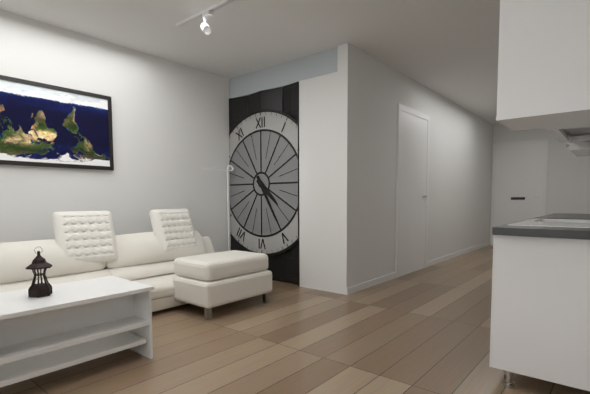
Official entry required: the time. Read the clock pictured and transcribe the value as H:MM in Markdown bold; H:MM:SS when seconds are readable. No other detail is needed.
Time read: **4:25**
